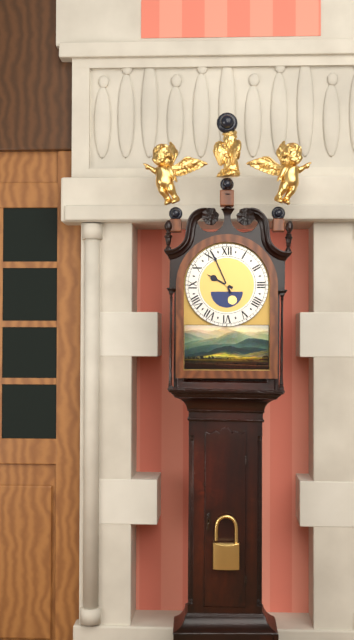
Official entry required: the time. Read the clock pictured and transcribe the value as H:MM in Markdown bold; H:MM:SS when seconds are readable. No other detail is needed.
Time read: **9:56**
